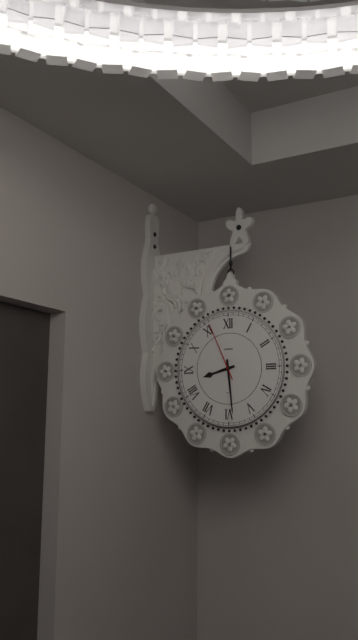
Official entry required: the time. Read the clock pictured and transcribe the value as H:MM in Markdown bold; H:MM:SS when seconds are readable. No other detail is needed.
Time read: **8:29:56**
